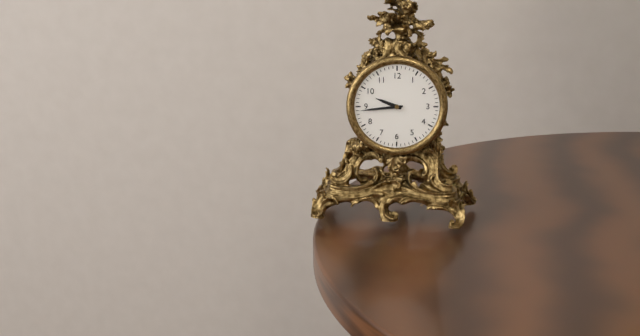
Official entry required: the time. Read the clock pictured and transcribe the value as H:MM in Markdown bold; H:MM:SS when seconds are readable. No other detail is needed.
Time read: **9:44**
